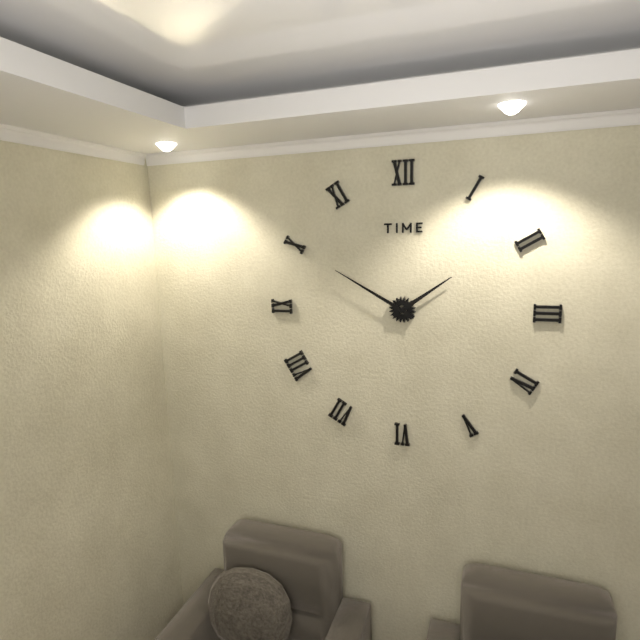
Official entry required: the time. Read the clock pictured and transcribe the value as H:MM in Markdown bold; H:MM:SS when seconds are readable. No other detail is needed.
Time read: **1:50**
